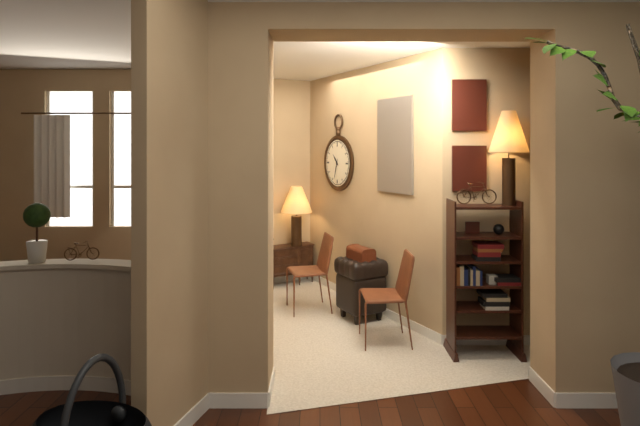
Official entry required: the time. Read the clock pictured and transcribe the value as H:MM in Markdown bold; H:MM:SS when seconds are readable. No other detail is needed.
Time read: **10:33**
